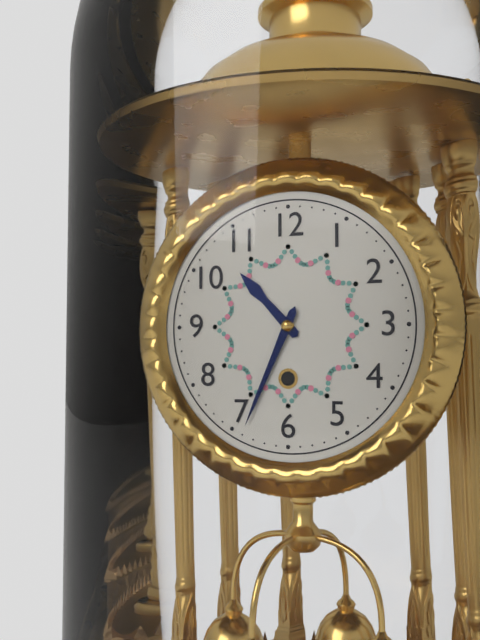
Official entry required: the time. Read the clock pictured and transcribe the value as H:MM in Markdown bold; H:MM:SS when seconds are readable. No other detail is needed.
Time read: **10:34**
